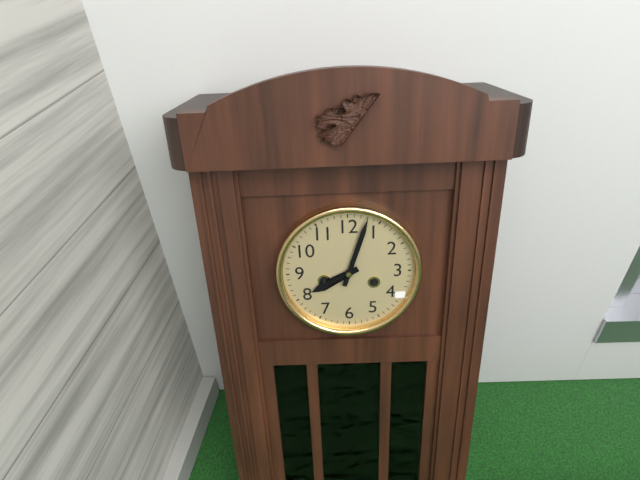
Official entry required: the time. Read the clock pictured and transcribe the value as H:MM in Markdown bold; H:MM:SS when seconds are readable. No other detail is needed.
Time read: **8:03**
